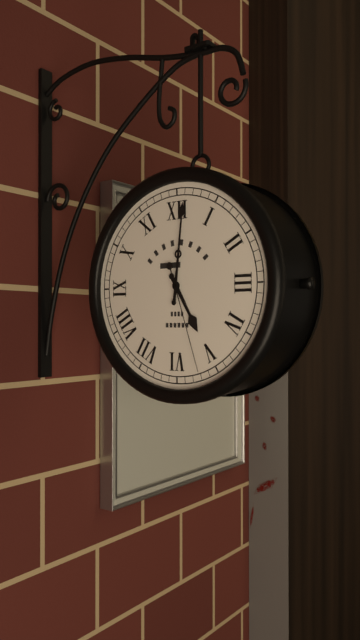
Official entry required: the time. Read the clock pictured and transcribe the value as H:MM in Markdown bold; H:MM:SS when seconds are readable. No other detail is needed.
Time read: **5:01:27**
